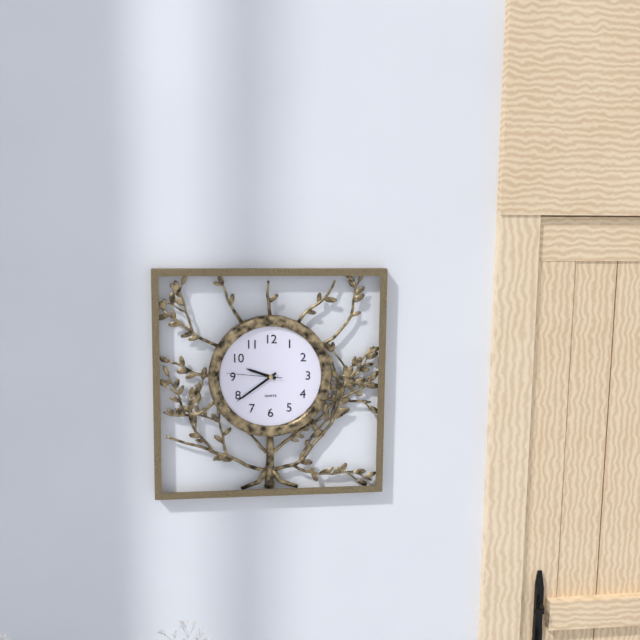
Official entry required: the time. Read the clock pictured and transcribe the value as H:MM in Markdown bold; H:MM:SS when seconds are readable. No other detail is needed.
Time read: **9:39:46**
